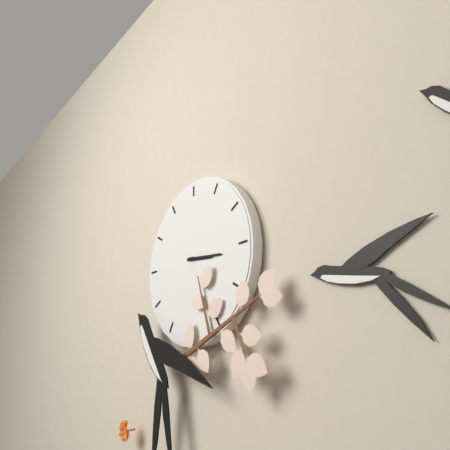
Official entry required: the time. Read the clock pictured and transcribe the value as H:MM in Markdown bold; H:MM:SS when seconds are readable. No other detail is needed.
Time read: **3:16**
